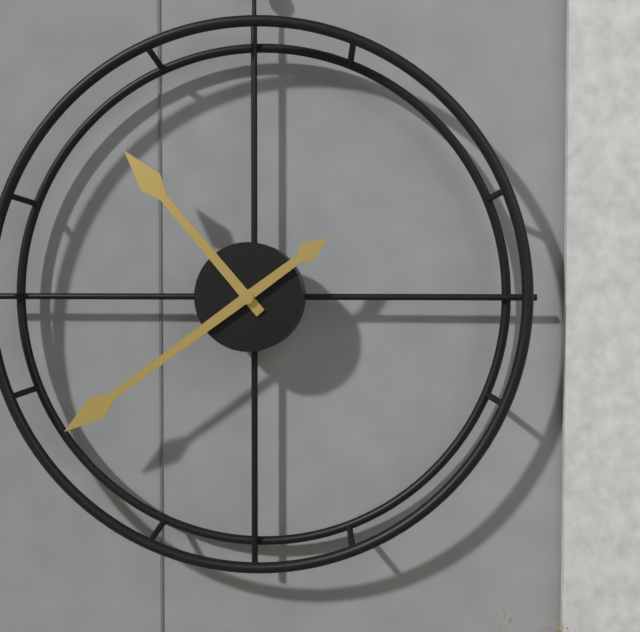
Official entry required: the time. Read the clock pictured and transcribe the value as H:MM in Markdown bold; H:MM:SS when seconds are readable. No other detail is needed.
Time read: **10:39**
